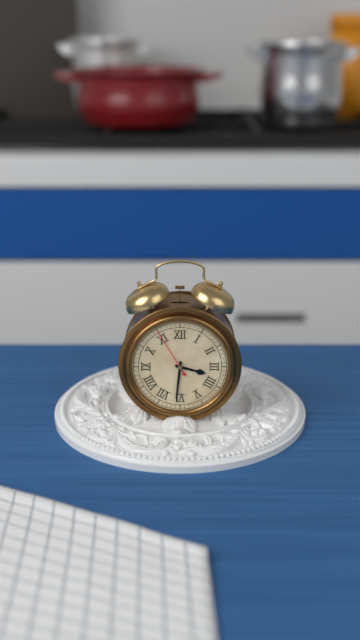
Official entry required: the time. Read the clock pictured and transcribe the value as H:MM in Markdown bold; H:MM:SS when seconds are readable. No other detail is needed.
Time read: **3:31:55**
